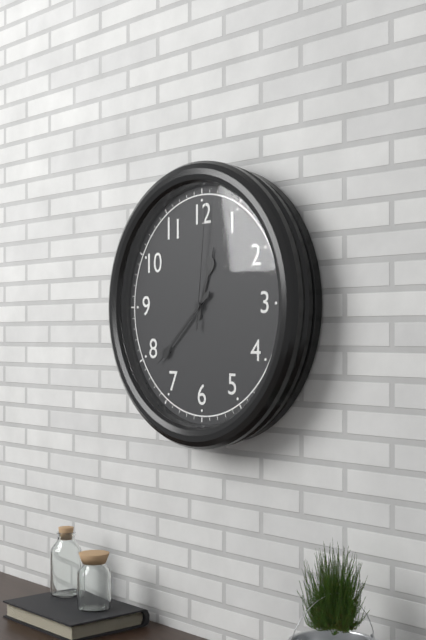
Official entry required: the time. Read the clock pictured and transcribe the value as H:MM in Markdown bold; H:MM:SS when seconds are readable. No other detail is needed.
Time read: **12:38:01**
